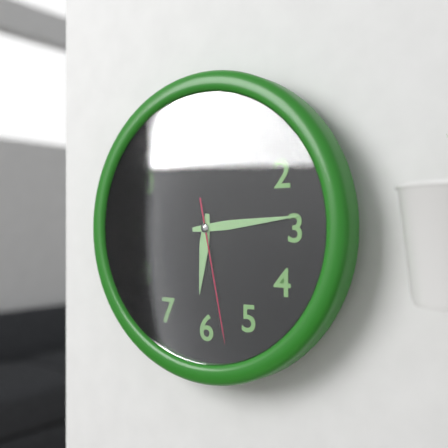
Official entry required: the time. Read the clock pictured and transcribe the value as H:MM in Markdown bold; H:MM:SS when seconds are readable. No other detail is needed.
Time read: **6:14:28**
